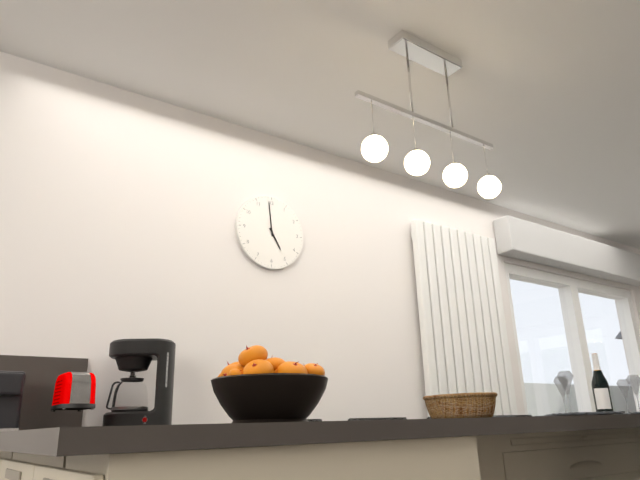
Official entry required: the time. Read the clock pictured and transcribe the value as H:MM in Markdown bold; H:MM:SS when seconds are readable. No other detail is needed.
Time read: **4:59**
